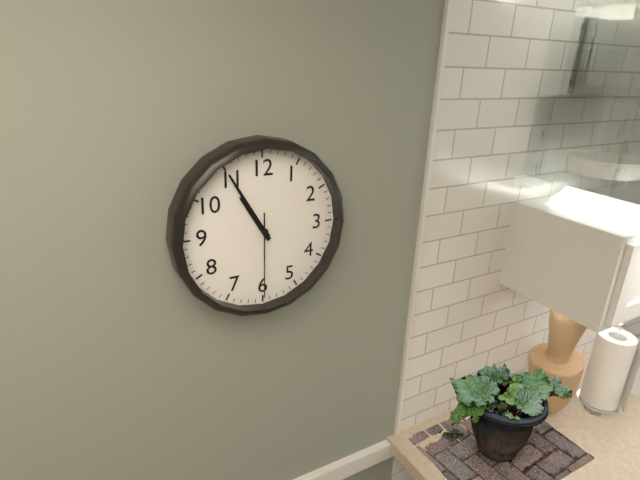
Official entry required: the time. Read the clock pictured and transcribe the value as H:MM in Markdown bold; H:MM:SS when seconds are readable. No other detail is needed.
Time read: **10:55:30**
